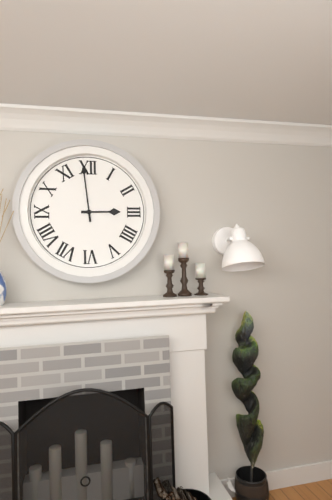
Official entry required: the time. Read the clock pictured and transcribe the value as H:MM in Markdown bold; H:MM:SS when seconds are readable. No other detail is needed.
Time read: **2:59**
